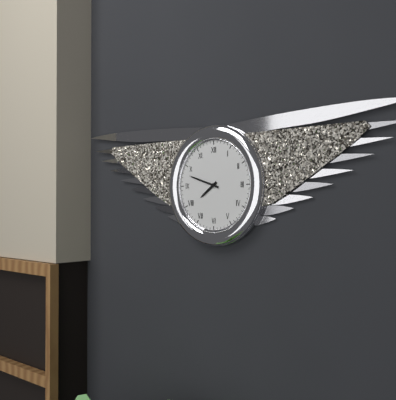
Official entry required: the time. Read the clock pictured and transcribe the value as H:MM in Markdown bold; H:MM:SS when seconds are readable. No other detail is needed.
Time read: **7:48**
